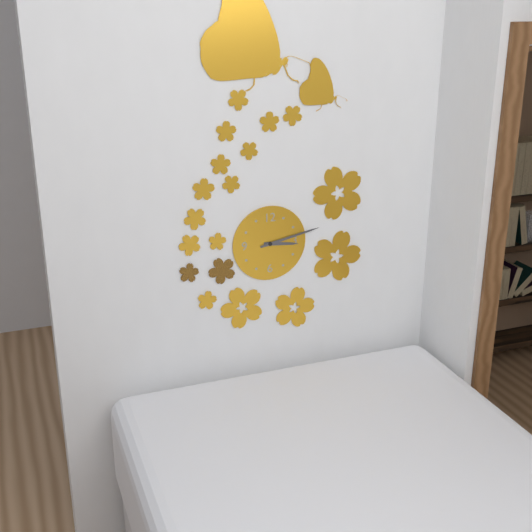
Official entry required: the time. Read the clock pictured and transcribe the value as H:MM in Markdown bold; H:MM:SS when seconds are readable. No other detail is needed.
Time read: **3:13**
